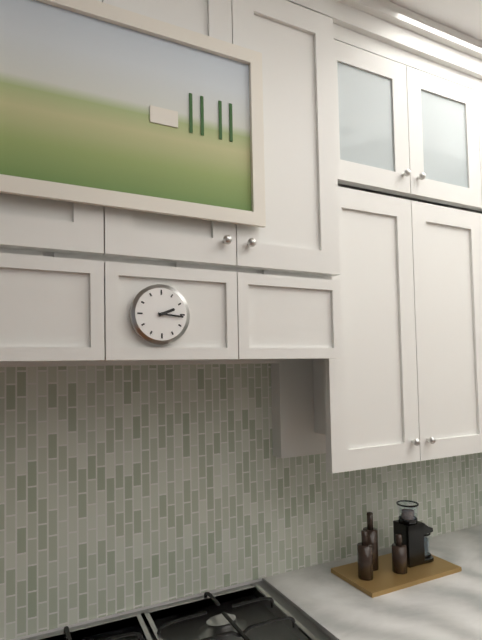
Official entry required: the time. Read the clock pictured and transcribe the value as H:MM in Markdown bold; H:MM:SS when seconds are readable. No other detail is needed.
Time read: **2:16**
